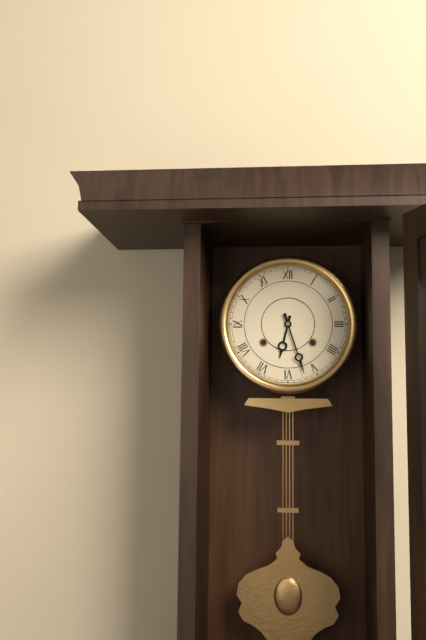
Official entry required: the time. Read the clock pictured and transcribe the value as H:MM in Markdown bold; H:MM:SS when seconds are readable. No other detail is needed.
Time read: **6:27**
